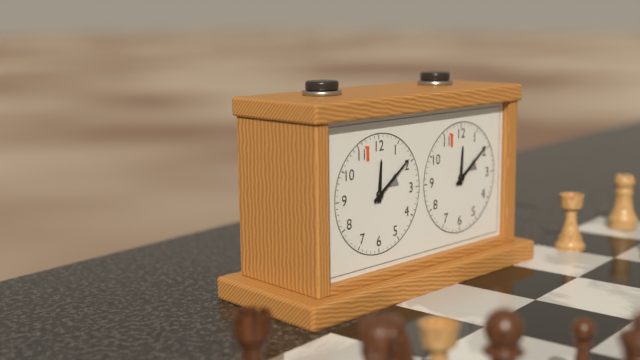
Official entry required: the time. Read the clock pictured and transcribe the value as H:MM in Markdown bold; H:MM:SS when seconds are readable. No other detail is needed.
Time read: **12:09**
